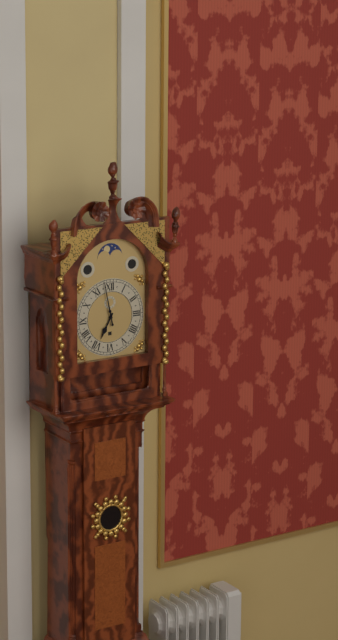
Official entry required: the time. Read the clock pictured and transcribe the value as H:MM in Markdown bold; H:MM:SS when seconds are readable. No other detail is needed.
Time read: **6:58**
